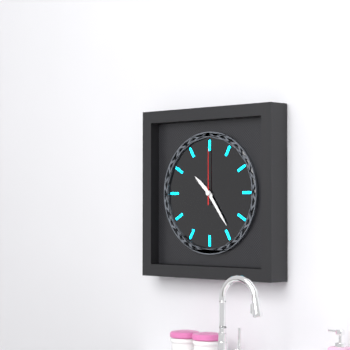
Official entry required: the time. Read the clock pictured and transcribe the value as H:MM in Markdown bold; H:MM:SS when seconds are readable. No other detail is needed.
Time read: **10:24:00**
